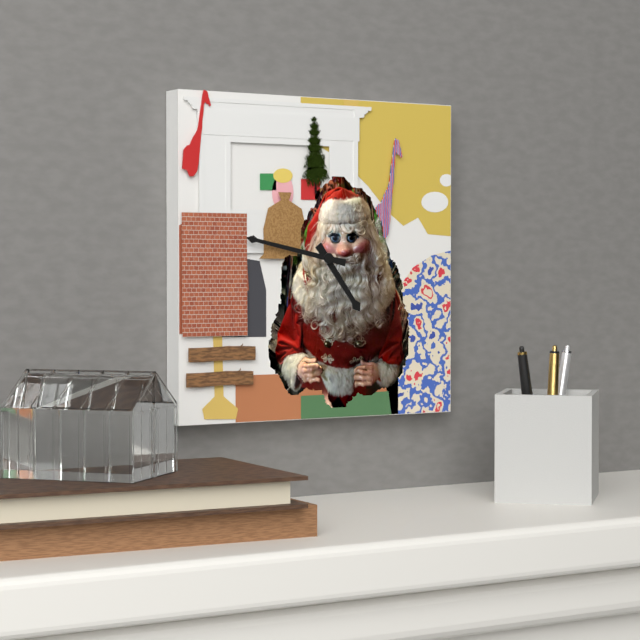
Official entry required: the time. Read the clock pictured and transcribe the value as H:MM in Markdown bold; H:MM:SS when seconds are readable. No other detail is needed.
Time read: **4:47**
